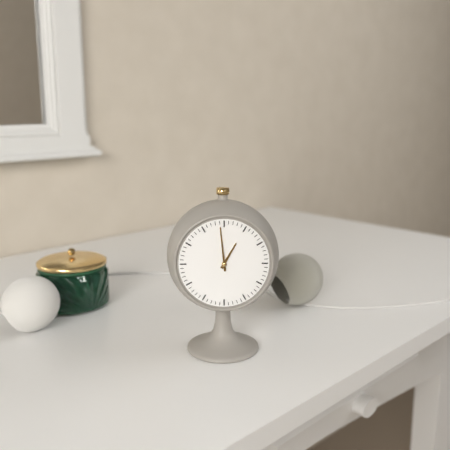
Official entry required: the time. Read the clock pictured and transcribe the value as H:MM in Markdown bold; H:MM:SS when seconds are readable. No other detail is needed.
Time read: **12:59**
